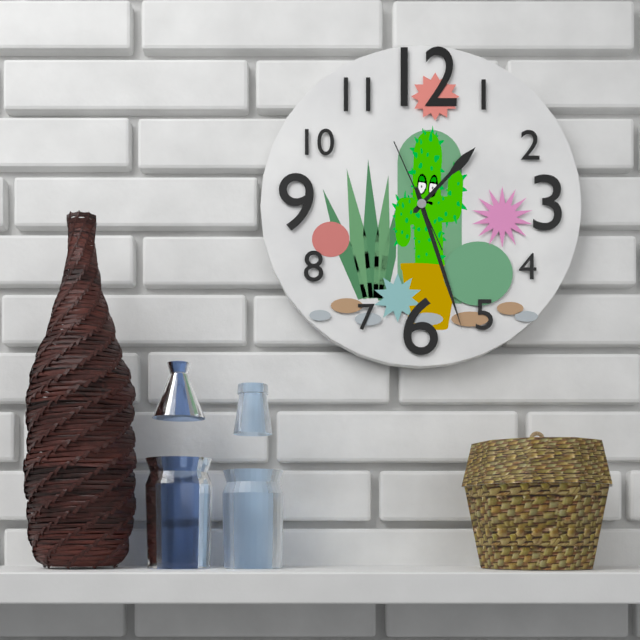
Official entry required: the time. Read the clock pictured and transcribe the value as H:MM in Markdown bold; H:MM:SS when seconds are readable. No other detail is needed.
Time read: **1:27:56**
